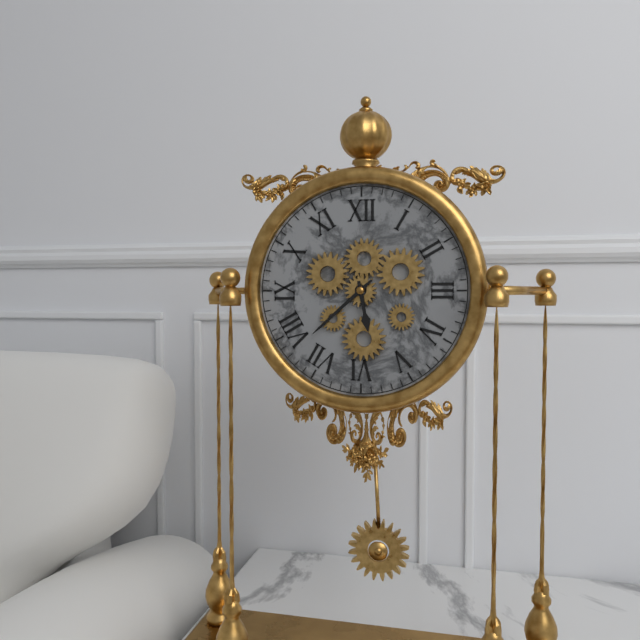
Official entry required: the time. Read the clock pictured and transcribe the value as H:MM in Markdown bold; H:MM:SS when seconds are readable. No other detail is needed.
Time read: **5:38**
